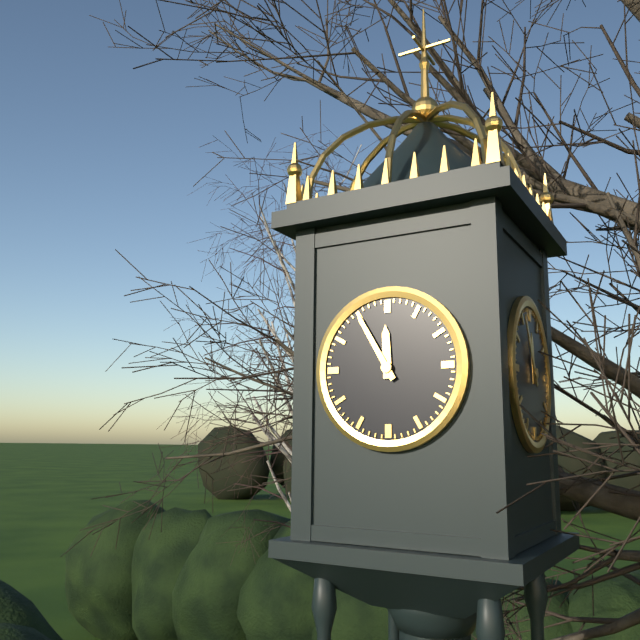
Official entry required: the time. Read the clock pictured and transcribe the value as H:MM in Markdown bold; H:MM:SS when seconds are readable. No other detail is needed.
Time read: **11:55**
